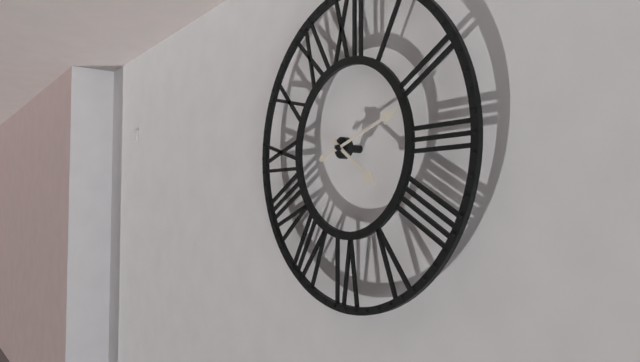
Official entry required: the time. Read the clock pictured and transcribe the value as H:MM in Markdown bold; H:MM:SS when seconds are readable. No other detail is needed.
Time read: **4:12**
